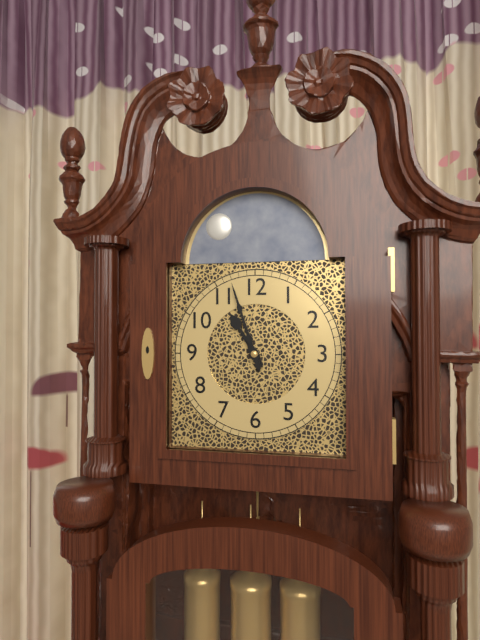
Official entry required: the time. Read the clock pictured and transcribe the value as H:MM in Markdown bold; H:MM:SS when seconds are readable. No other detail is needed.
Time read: **10:57**
